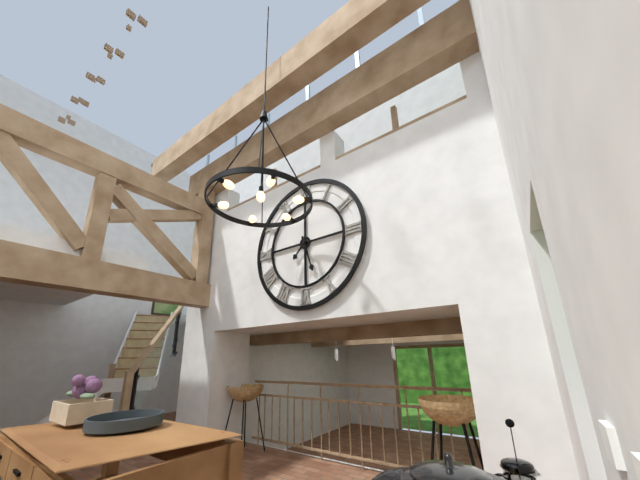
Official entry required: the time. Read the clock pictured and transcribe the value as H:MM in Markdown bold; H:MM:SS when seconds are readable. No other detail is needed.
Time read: **7:27**
